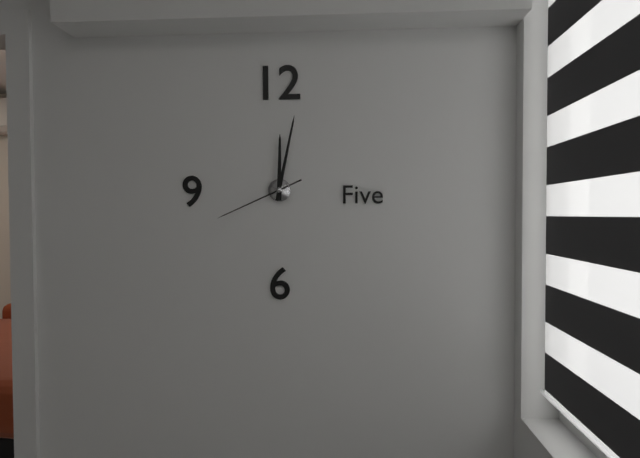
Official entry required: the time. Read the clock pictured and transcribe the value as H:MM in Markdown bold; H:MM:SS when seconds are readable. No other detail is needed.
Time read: **12:02:41**
